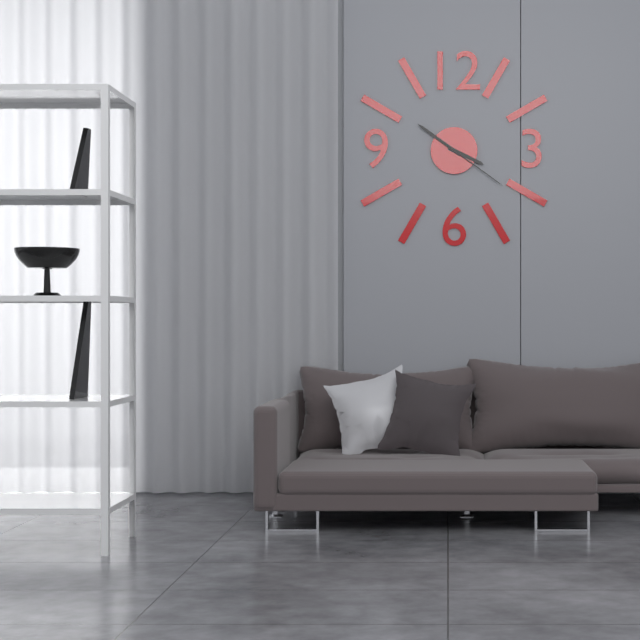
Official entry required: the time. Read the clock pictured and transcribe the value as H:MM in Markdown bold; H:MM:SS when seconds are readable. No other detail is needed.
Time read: **3:51:21**
